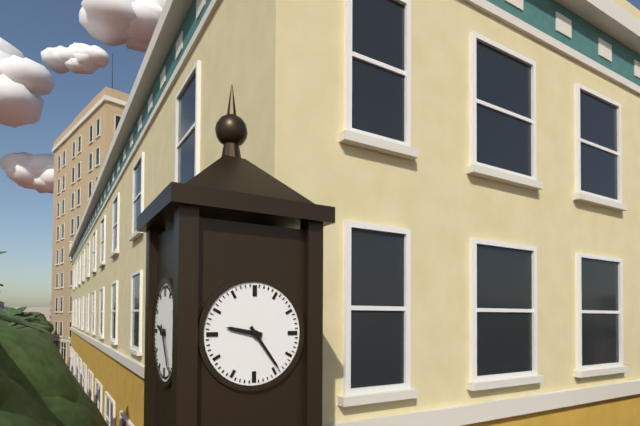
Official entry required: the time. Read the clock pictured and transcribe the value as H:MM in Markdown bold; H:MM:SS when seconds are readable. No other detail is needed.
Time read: **9:24**
